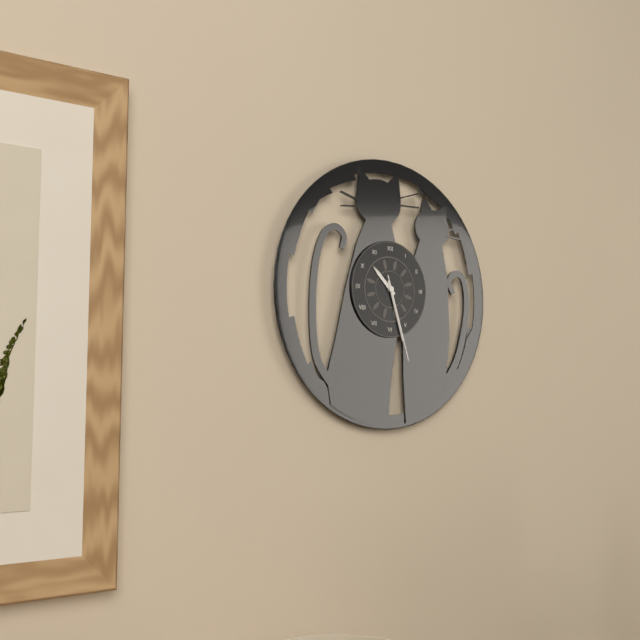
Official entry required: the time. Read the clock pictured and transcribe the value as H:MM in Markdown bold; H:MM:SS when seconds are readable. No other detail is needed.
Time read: **10:27:27**
